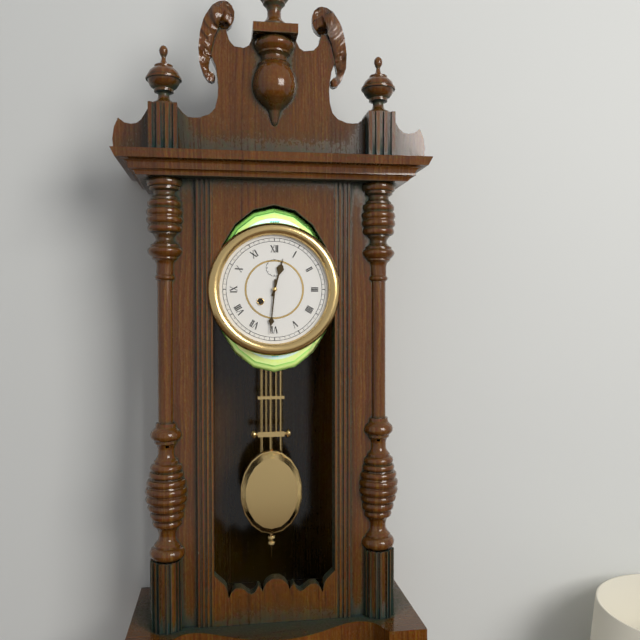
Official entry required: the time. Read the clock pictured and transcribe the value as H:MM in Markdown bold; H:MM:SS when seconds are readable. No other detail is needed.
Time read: **12:31**
